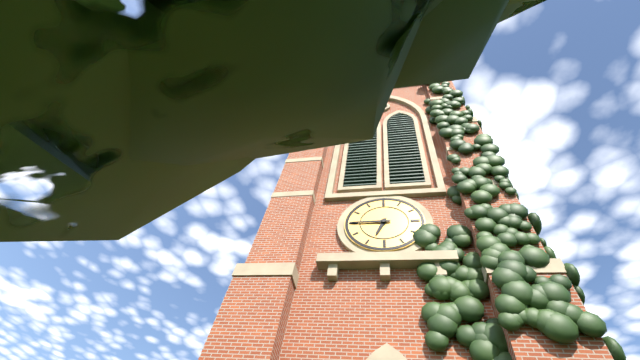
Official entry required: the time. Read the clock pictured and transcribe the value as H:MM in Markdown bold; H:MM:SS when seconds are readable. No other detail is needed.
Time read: **6:45**
